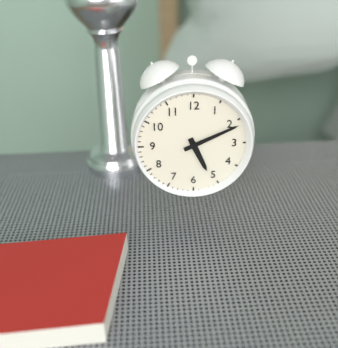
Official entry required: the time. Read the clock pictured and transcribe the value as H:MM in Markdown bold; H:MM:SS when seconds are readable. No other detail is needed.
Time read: **5:11**
